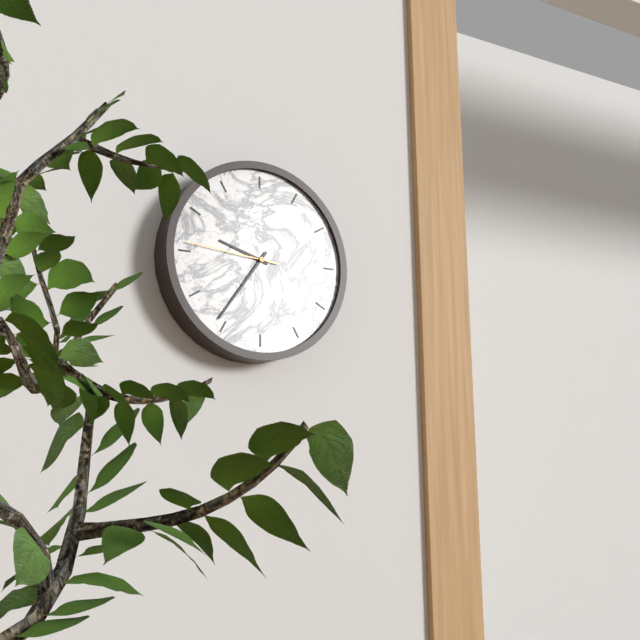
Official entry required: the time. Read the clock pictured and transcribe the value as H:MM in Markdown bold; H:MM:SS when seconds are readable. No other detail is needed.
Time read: **9:36:46**
